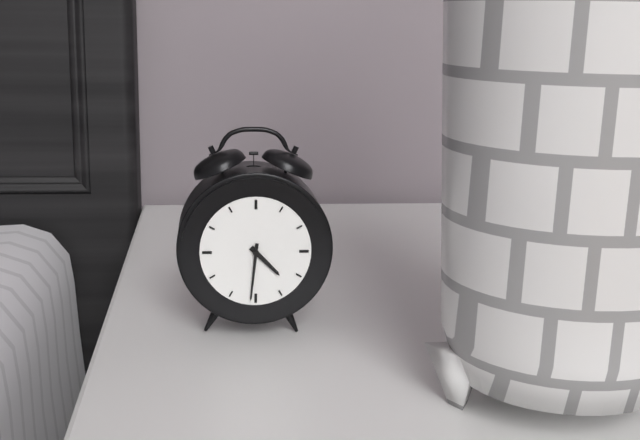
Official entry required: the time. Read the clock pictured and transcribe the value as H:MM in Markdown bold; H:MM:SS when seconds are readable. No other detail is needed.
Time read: **4:31**
